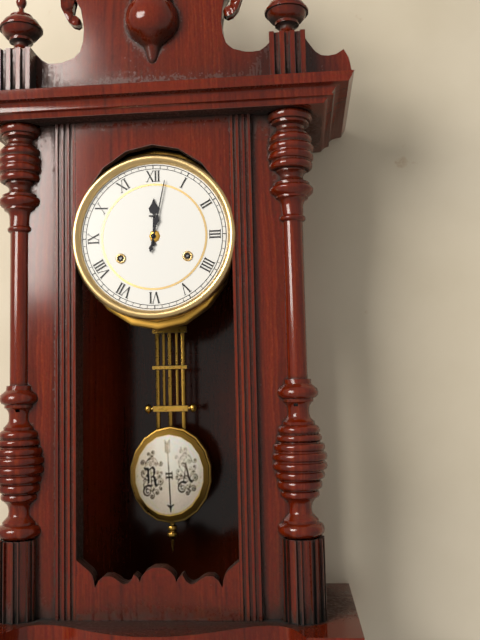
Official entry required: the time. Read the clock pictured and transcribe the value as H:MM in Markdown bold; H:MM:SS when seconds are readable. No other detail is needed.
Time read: **12:02**
